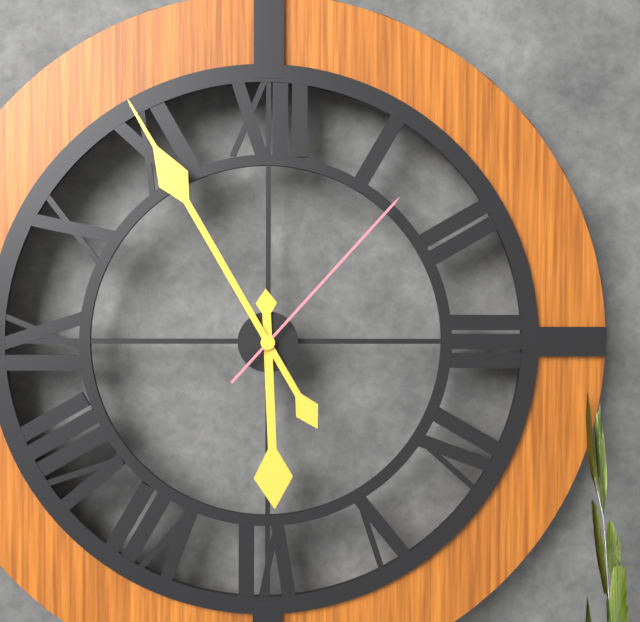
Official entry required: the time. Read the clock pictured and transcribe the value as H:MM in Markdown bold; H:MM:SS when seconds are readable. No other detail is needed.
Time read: **5:55:07**
